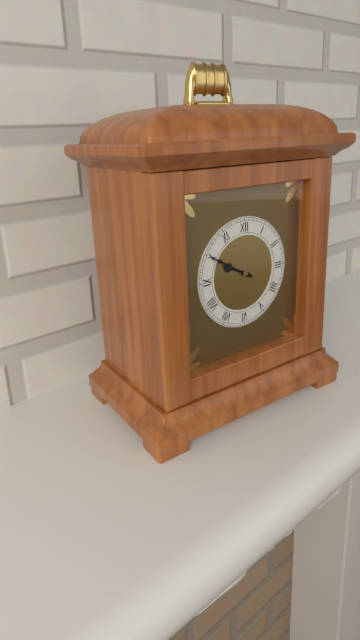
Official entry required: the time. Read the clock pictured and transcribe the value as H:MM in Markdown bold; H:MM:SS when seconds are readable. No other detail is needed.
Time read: **9:50**
